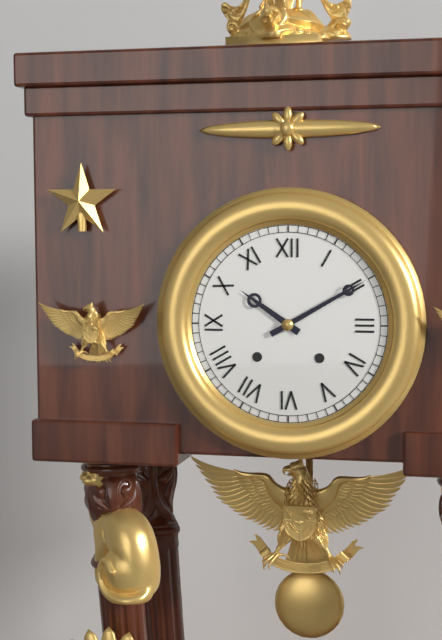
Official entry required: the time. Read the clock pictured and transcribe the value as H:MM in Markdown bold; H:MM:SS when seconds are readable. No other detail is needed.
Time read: **10:10**
